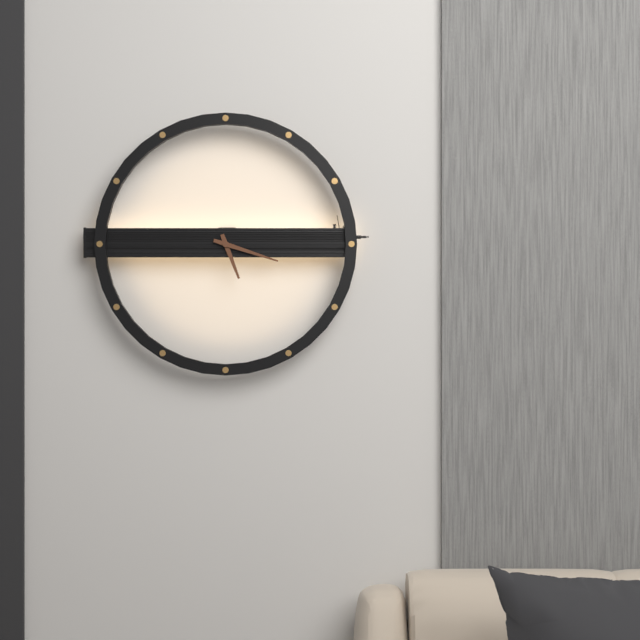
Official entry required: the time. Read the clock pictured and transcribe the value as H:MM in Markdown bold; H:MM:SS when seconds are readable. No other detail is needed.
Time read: **5:18**
